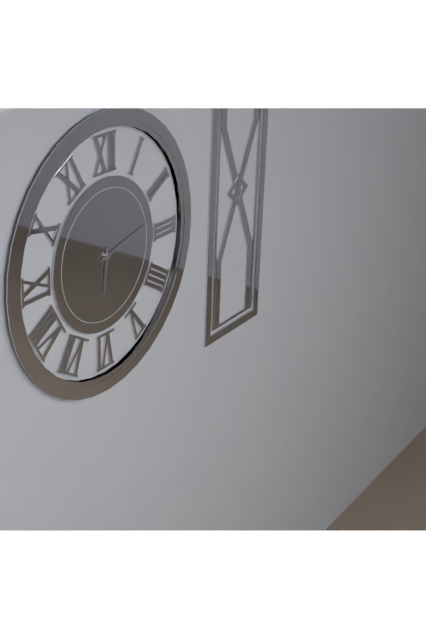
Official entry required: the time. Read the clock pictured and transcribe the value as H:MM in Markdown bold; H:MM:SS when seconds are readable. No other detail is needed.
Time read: **6:13**
